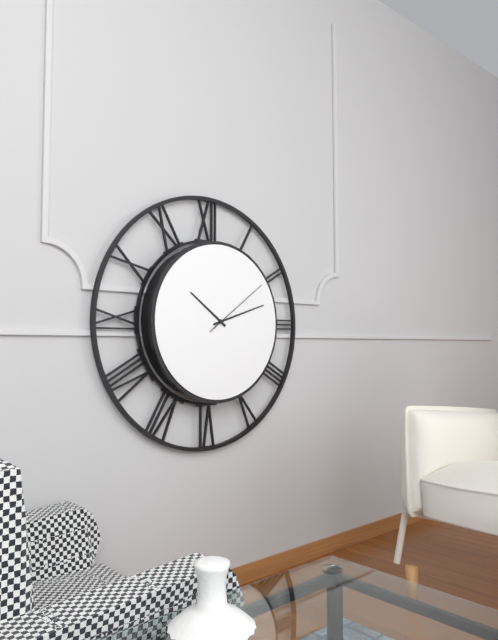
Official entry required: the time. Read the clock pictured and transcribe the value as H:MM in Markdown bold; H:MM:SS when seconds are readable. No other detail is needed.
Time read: **10:12:09**
